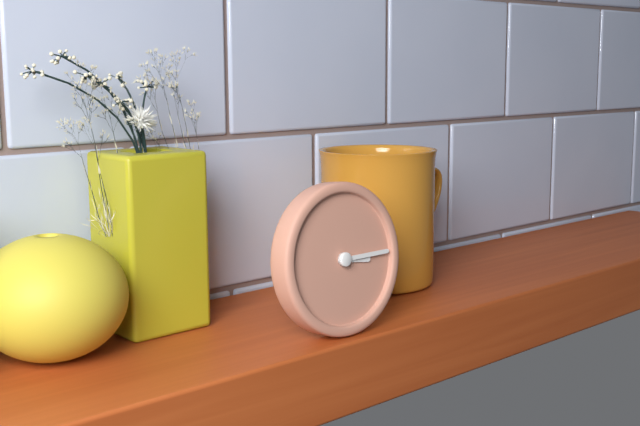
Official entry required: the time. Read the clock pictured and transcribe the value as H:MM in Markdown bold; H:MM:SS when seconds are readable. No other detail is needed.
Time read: **3:15**
